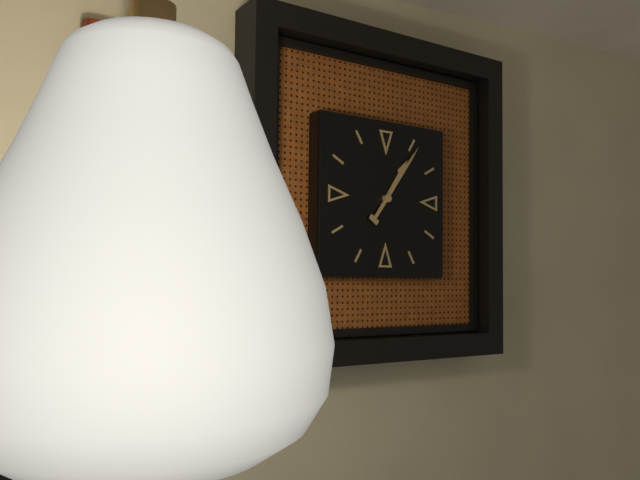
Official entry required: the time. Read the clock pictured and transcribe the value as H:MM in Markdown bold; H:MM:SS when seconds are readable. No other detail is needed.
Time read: **1:06**
